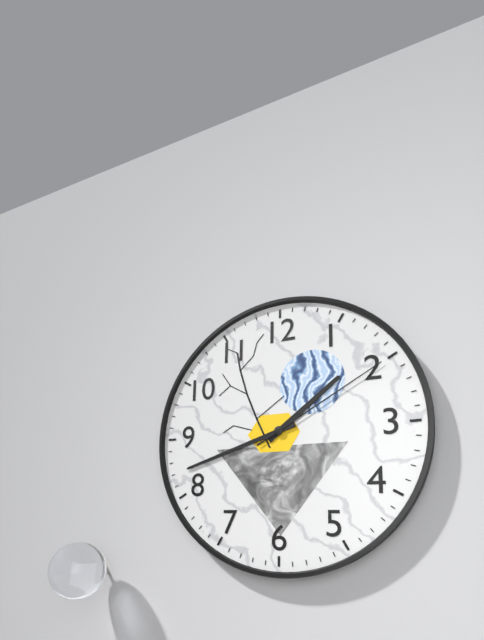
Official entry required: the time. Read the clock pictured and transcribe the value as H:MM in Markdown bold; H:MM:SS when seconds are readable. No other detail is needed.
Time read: **1:42:10**
